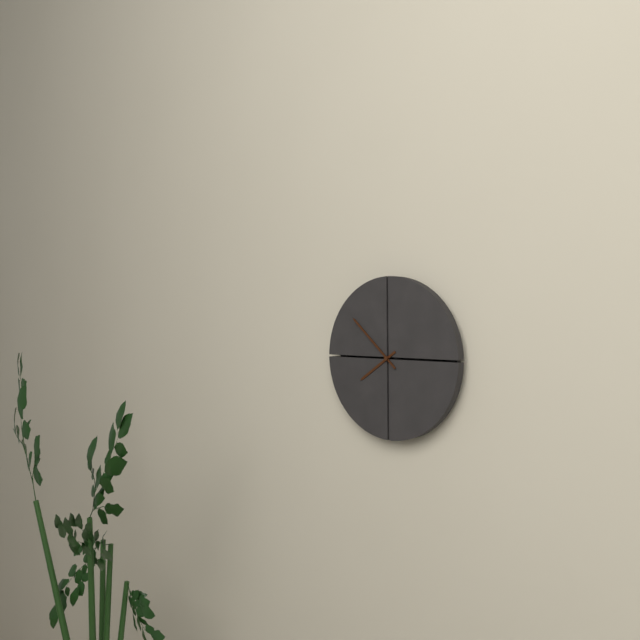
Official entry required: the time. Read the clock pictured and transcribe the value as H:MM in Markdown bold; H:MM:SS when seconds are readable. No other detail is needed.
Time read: **7:52**
